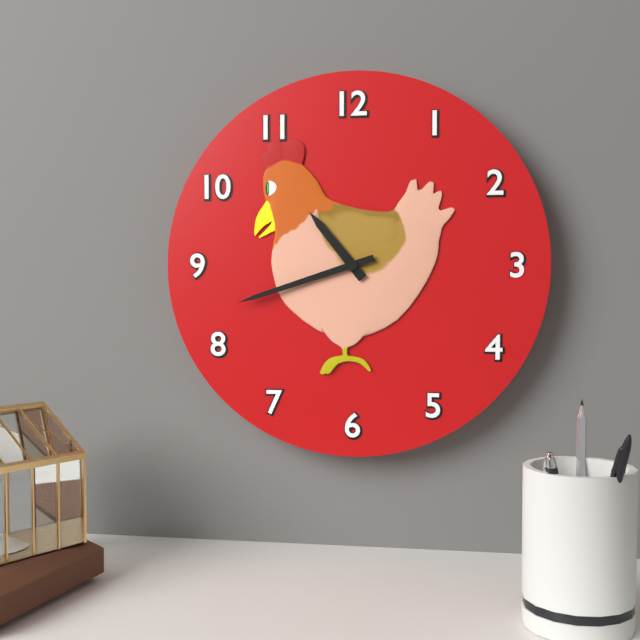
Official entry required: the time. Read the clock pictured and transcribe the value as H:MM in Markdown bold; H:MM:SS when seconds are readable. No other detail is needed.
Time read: **10:42**
